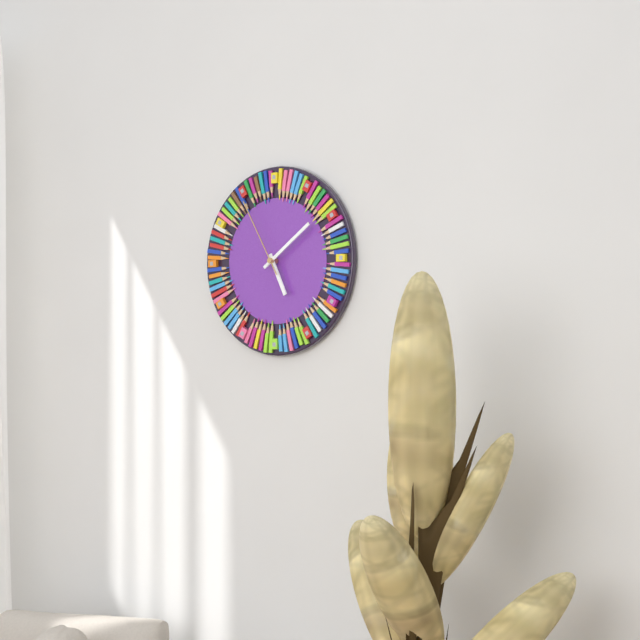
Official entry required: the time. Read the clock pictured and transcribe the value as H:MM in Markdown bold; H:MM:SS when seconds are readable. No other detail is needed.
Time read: **5:09:55**
